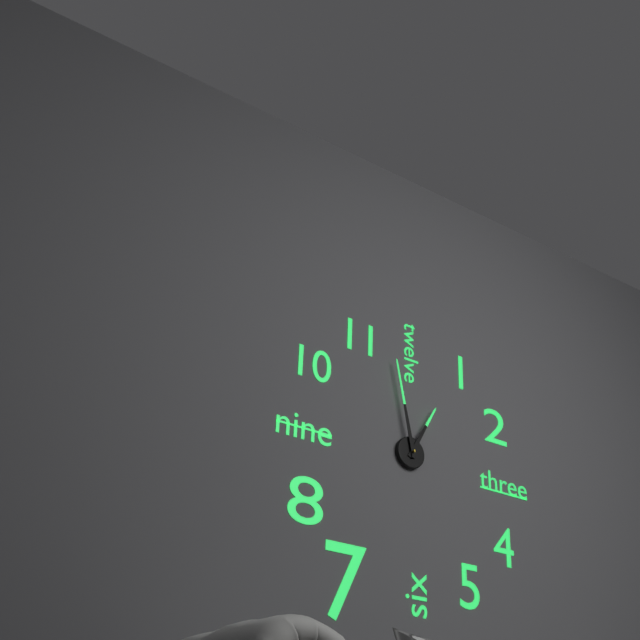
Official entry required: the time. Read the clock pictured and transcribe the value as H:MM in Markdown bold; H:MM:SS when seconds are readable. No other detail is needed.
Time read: **12:58**
